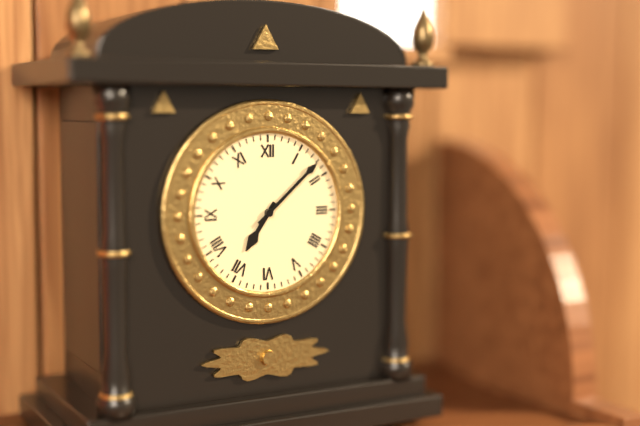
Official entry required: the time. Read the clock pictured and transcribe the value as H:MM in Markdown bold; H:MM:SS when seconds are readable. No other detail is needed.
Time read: **7:08**
